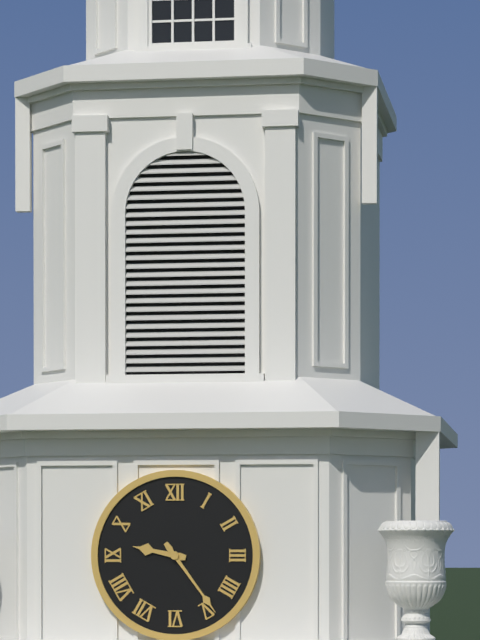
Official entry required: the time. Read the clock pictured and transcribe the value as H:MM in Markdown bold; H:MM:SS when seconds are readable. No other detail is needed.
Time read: **9:24**
